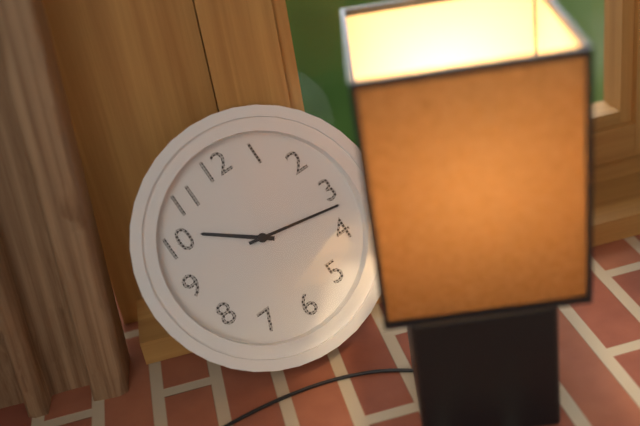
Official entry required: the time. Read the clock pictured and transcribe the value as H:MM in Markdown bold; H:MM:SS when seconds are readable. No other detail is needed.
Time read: **10:17**
